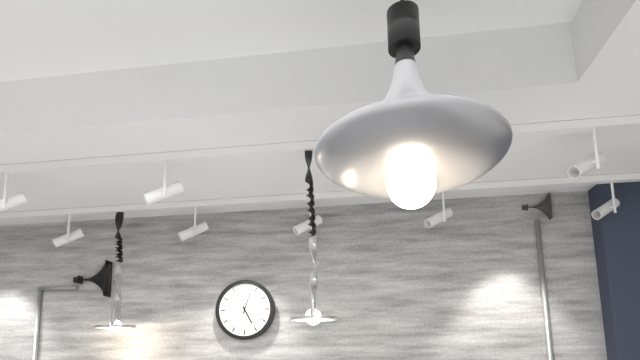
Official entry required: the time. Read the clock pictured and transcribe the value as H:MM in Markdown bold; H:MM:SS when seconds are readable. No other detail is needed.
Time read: **5:03**
